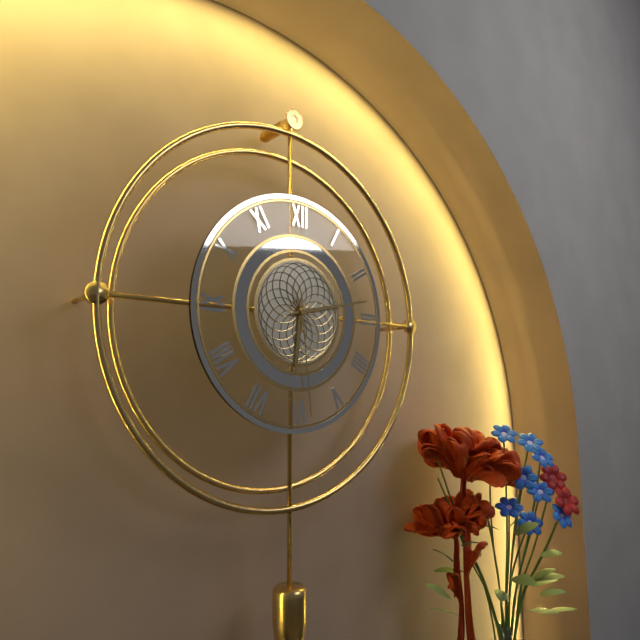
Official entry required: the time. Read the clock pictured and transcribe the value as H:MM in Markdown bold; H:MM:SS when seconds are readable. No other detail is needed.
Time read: **6:13:29**
